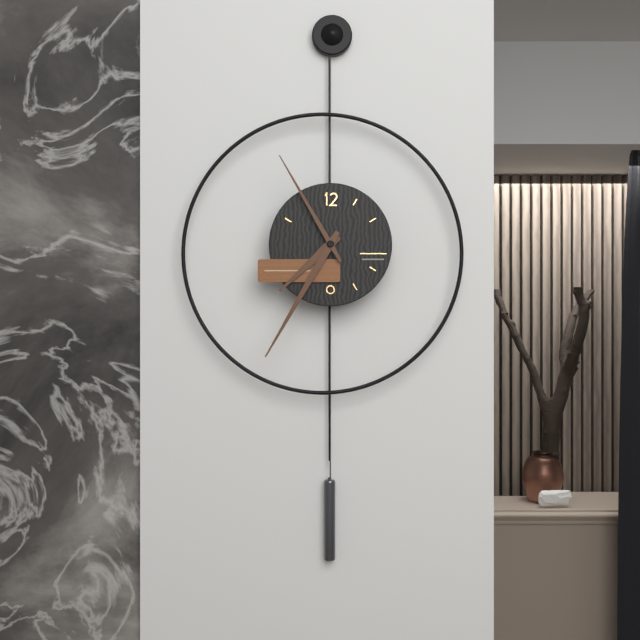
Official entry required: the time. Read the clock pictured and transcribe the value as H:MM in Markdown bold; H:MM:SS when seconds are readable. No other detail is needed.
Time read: **7:35:55**
